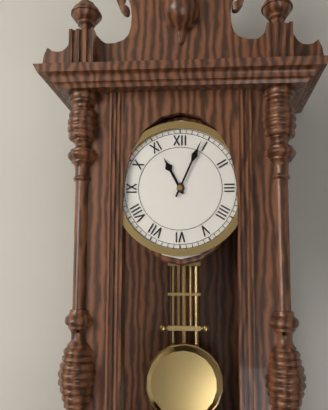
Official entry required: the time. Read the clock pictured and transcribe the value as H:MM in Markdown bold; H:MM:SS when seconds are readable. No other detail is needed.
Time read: **11:04**
